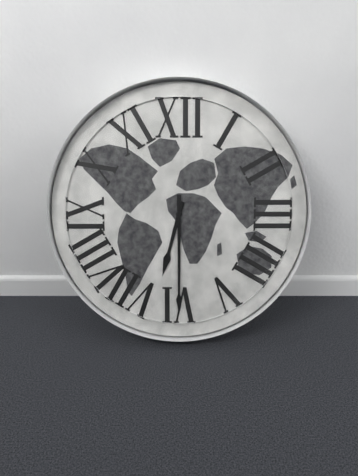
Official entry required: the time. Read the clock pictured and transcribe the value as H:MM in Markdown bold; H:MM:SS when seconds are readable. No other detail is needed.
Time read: **6:30**
